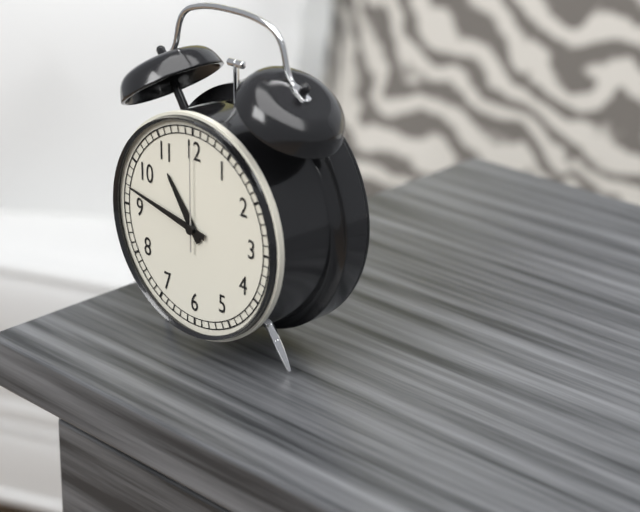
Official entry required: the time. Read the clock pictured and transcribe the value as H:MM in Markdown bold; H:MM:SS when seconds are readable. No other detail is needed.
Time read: **10:47:00**
